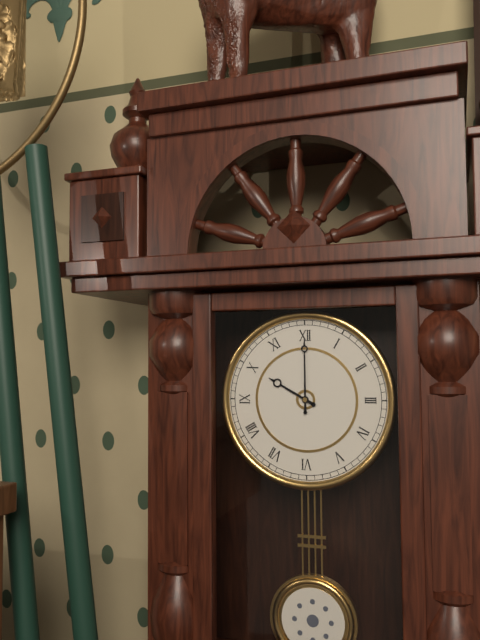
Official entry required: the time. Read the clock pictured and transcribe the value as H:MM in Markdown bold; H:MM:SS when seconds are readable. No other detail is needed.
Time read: **10:00**
